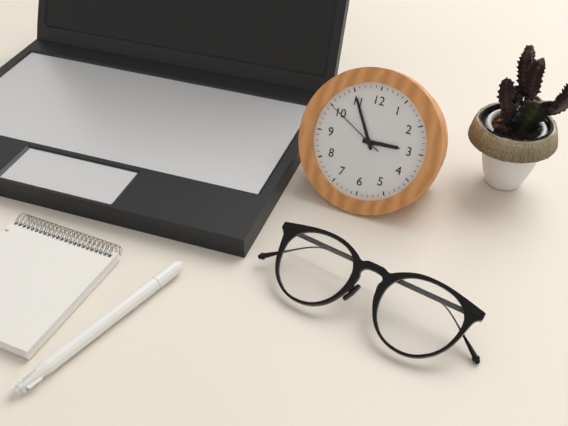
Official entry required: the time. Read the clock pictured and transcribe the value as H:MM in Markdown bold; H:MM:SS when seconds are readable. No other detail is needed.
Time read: **2:55:50**
